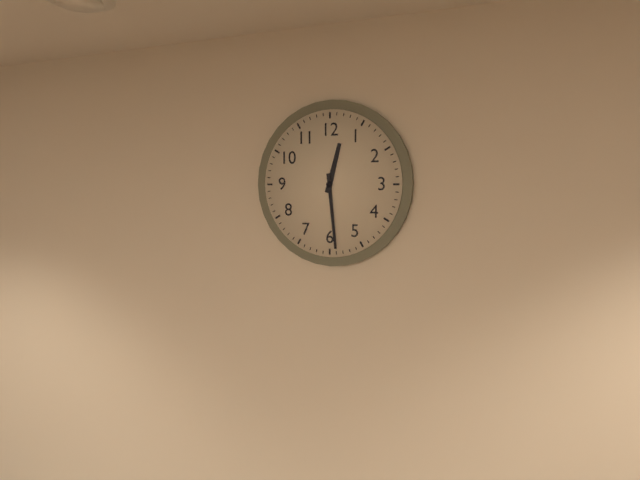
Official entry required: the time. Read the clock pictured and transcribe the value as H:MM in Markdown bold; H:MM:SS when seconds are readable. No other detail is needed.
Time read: **12:29**
